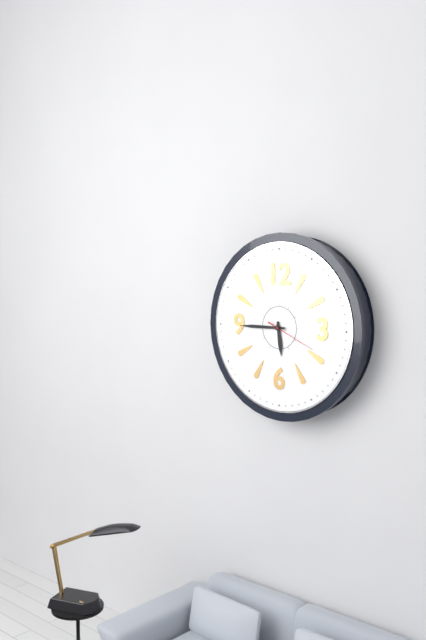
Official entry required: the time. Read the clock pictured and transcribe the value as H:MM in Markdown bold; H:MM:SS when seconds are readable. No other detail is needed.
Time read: **5:45:19**
